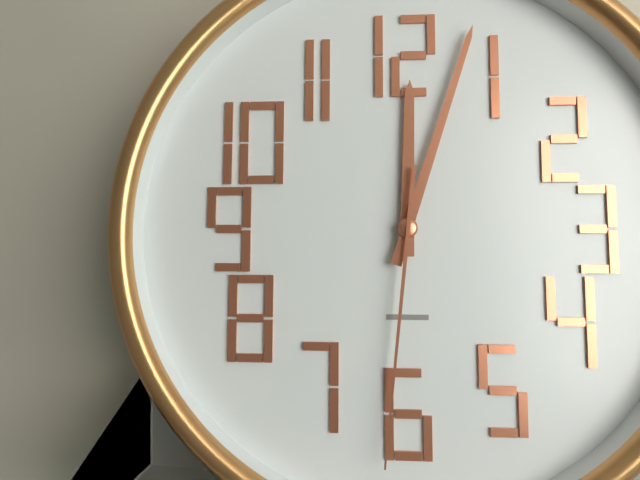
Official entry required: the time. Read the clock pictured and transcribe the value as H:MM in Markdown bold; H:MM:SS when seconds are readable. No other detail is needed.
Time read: **12:03:31**
